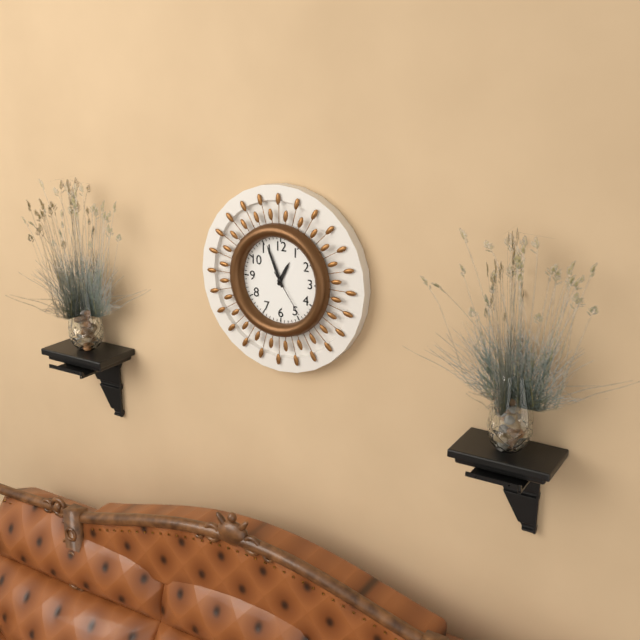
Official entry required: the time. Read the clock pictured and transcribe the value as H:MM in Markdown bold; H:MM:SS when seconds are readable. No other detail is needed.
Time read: **12:56**
